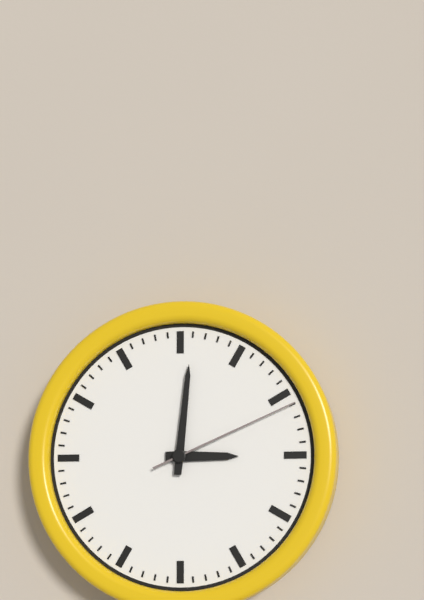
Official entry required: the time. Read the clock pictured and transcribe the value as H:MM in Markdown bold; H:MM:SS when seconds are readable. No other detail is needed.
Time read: **3:01:11**
